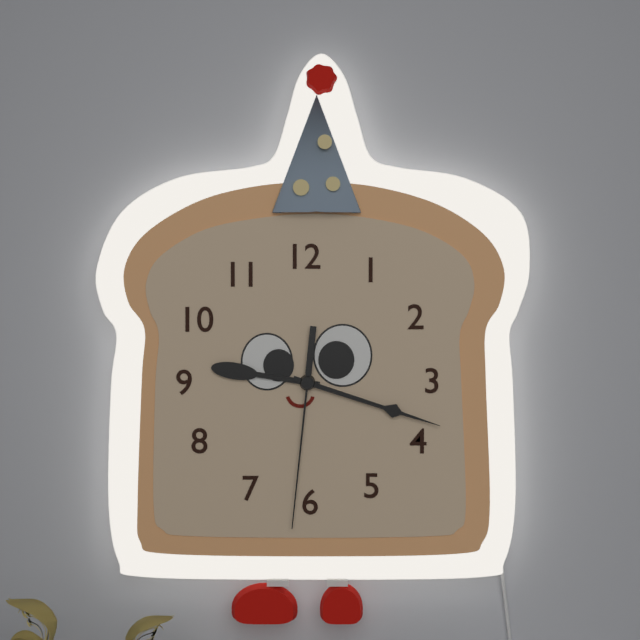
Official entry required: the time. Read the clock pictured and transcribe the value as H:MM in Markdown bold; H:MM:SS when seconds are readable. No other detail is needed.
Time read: **9:18:31**
